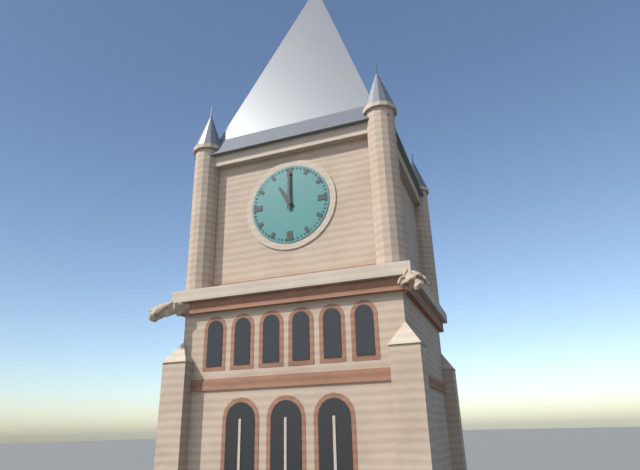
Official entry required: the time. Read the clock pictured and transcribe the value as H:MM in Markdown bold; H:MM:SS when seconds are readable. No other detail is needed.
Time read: **11:00**
